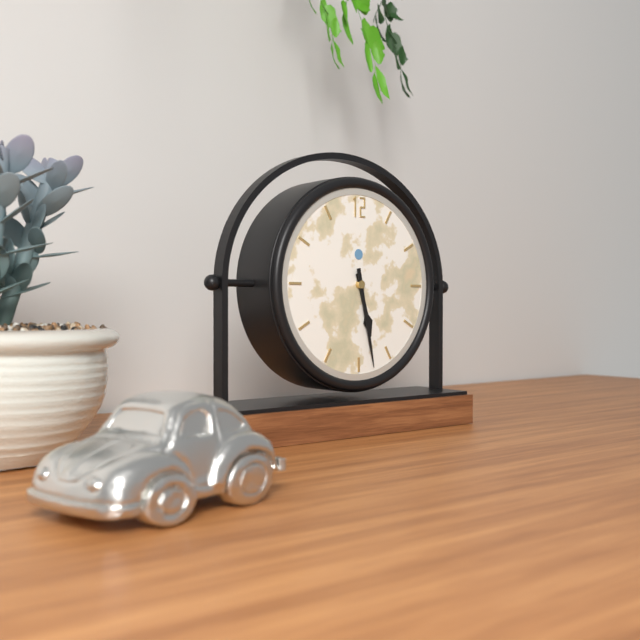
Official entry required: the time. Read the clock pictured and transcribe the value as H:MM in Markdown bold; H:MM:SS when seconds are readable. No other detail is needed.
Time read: **5:28**
